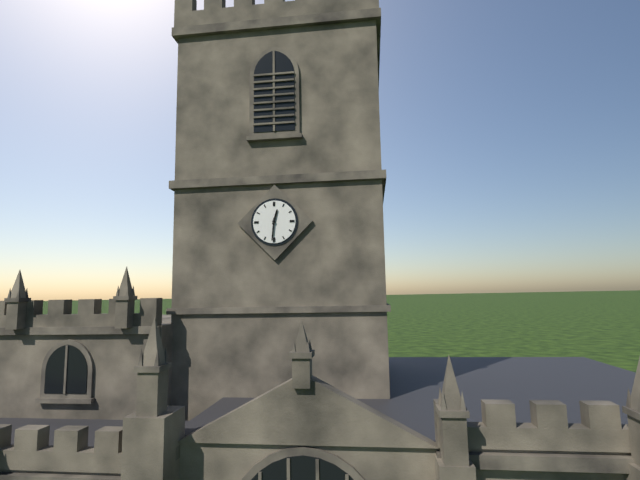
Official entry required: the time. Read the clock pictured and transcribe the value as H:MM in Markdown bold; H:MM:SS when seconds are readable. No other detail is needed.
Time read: **12:31**
